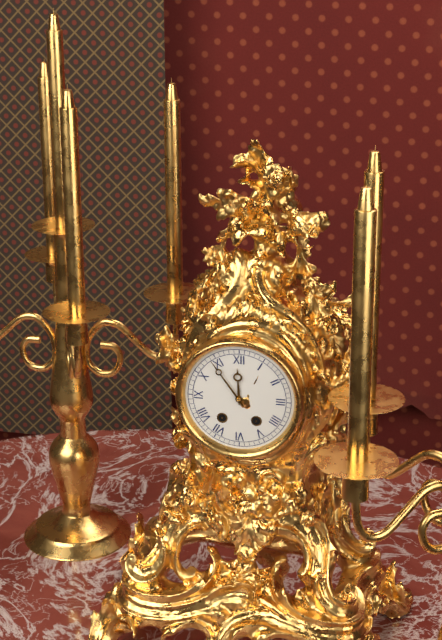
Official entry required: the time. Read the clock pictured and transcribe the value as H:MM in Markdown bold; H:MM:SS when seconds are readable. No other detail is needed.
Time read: **11:54**
